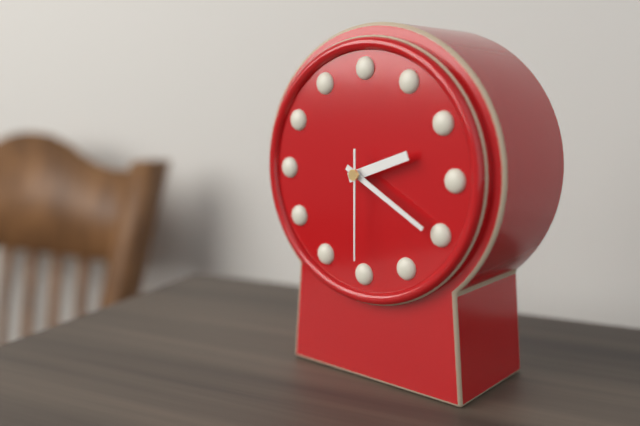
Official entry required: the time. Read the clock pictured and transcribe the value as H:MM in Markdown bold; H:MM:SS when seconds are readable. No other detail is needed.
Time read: **2:20:30**
